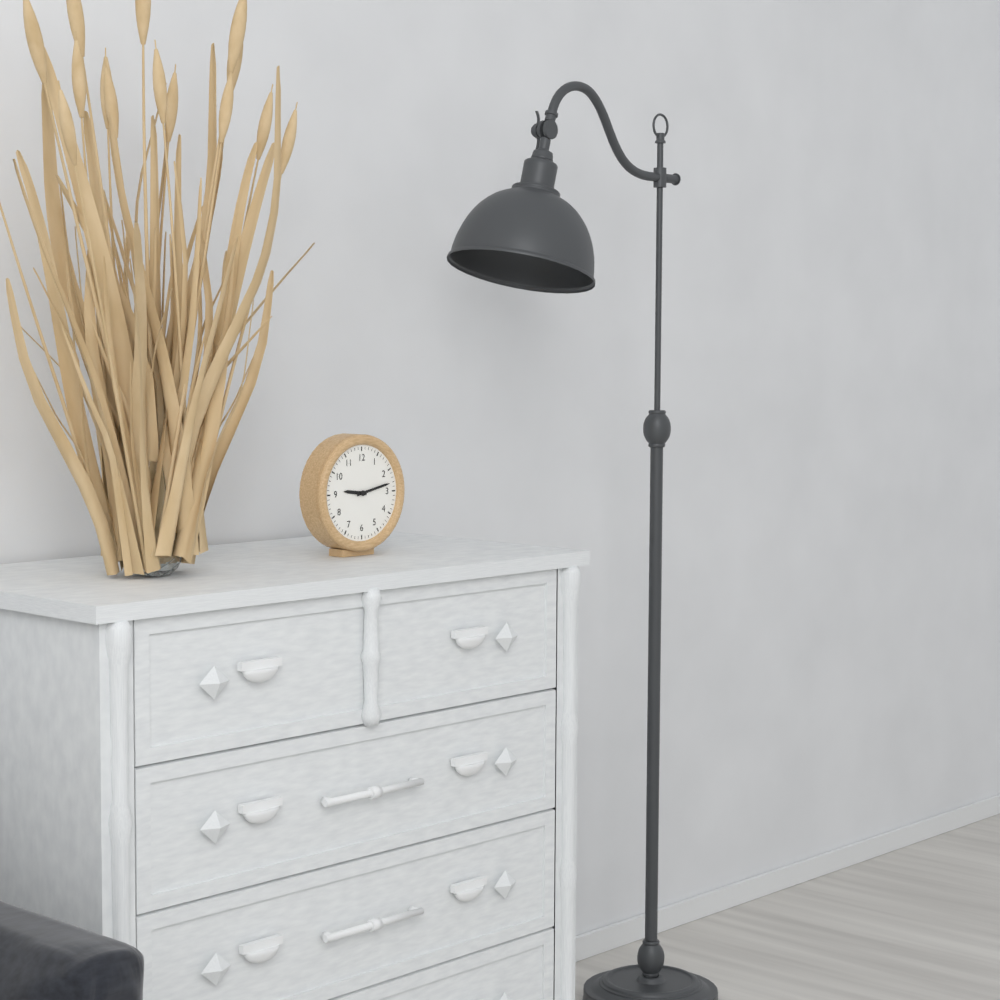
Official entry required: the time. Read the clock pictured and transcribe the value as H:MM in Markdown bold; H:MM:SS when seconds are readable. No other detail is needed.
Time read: **9:13**
